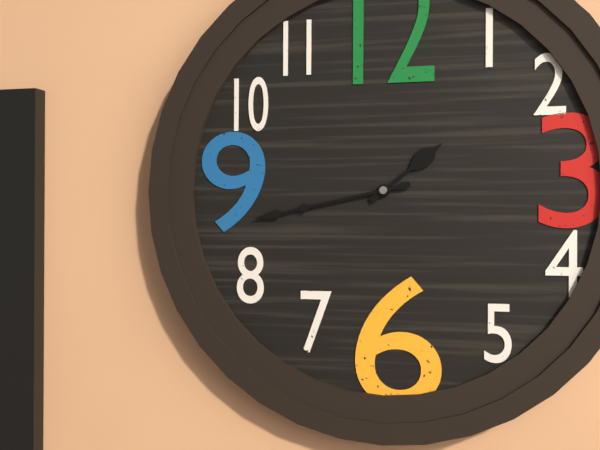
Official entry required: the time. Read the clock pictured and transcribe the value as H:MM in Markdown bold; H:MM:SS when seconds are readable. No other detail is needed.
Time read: **1:43**
